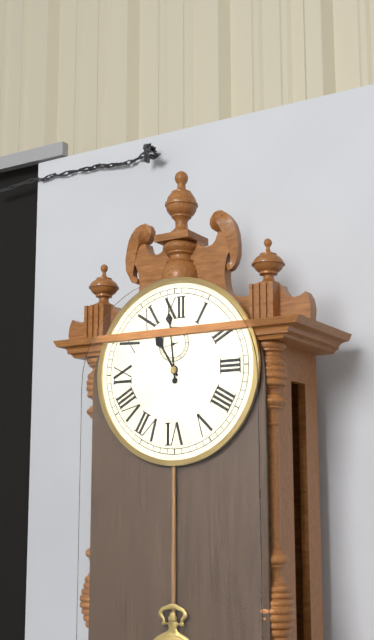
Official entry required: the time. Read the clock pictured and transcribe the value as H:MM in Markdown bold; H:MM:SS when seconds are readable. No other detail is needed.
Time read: **10:59**
